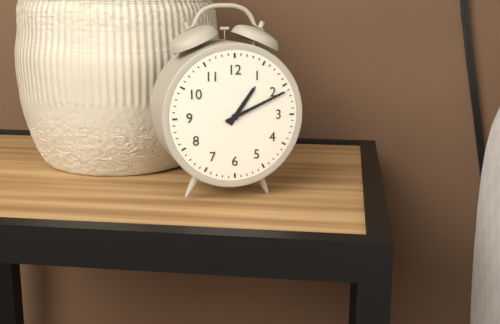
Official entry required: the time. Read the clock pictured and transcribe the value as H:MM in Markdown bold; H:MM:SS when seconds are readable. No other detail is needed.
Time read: **1:11**
